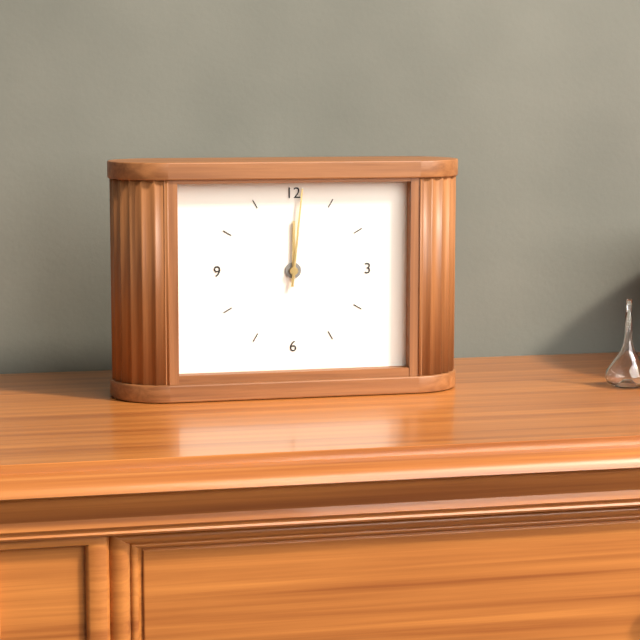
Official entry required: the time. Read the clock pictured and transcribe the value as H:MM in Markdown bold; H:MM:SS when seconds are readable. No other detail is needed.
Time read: **12:01**
